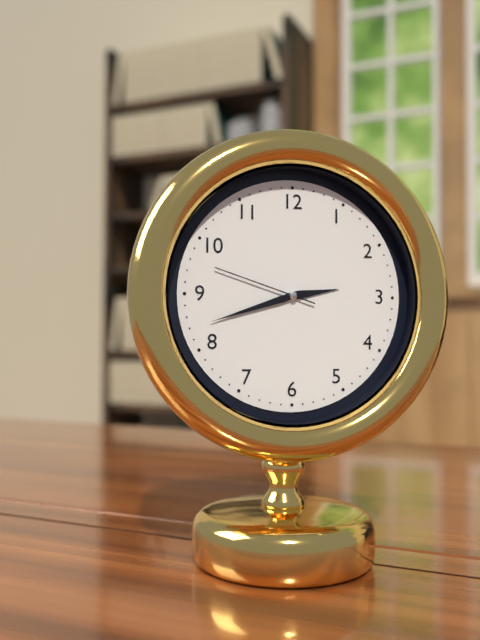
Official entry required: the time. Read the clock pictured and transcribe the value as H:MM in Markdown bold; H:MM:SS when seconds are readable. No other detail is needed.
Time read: **2:42:48**
